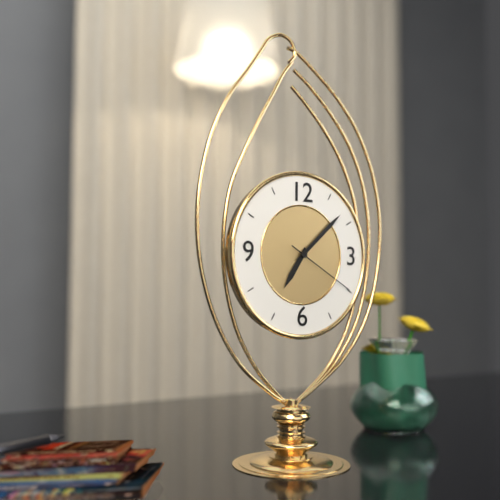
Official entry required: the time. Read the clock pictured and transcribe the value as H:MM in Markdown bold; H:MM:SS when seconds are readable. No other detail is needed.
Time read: **7:08:20**
